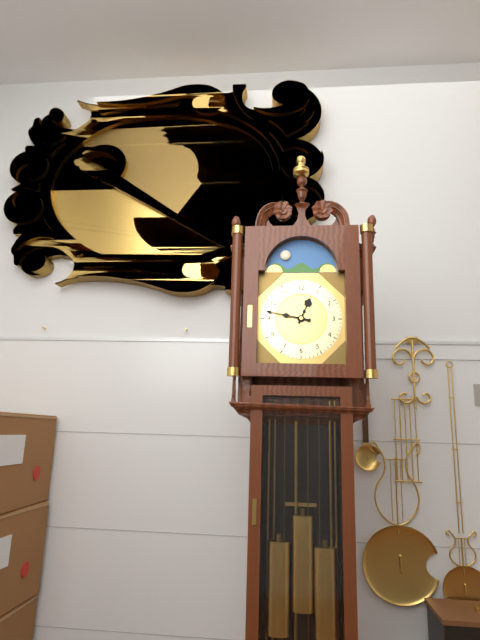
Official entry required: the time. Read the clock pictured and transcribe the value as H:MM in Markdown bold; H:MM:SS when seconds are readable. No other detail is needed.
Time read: **12:47**
